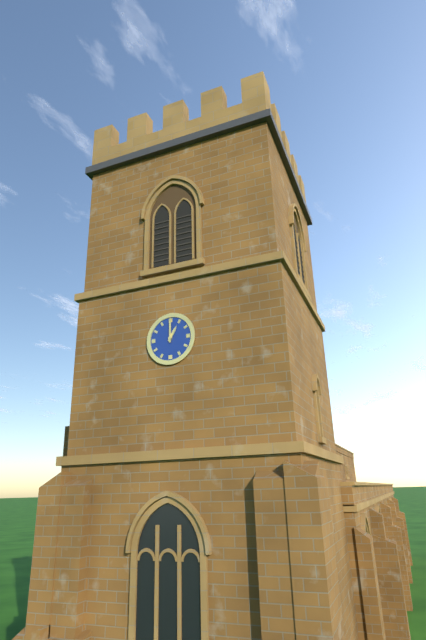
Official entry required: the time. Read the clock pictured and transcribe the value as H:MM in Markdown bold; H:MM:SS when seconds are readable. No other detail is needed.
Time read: **1:00**
